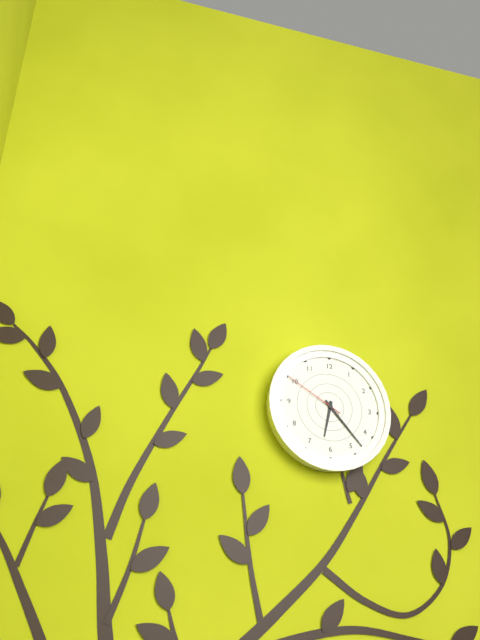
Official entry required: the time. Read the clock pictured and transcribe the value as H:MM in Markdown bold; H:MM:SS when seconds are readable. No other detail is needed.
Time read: **6:23:50**
